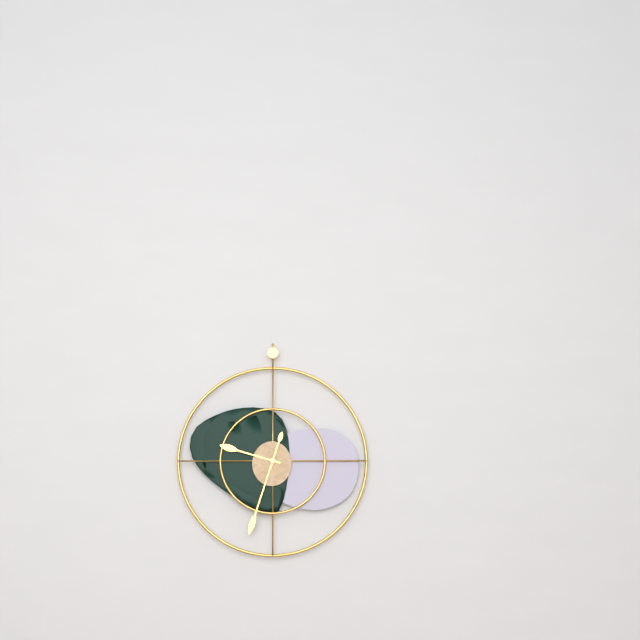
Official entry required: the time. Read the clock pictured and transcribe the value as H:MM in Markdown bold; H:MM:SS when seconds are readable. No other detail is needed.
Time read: **9:33**
